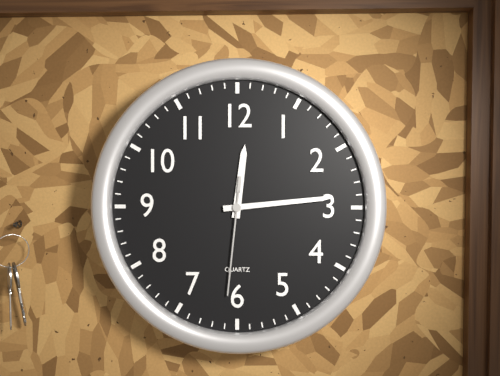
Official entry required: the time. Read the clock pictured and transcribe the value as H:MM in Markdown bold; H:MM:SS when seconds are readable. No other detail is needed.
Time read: **12:14:31**
